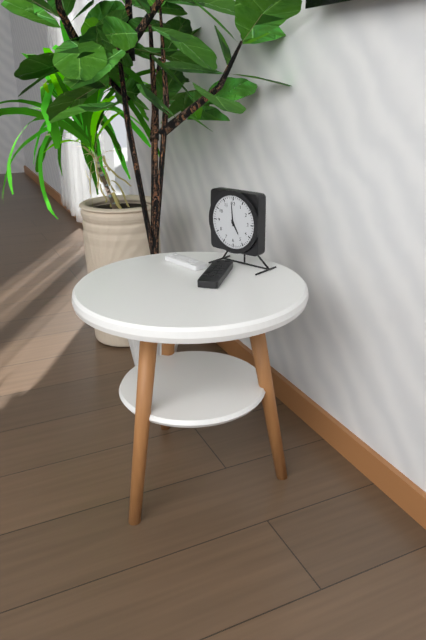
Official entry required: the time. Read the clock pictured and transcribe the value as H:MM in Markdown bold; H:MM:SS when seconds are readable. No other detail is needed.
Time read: **4:59**
